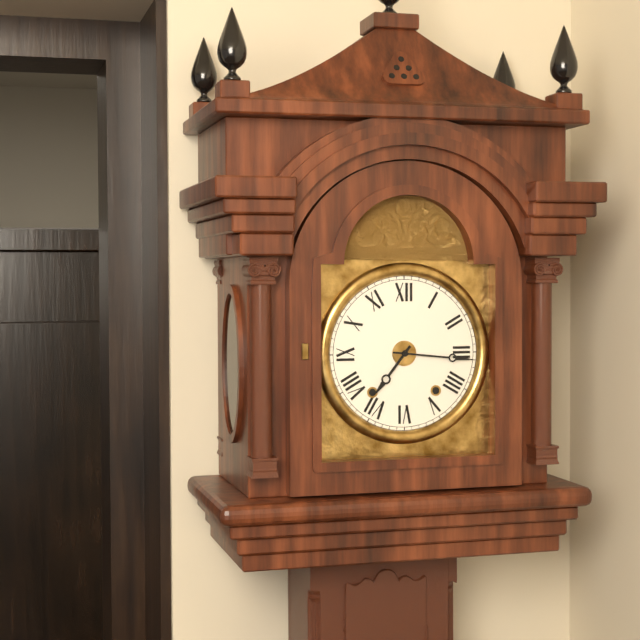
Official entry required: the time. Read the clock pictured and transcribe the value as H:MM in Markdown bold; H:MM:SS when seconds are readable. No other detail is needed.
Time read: **7:16**
